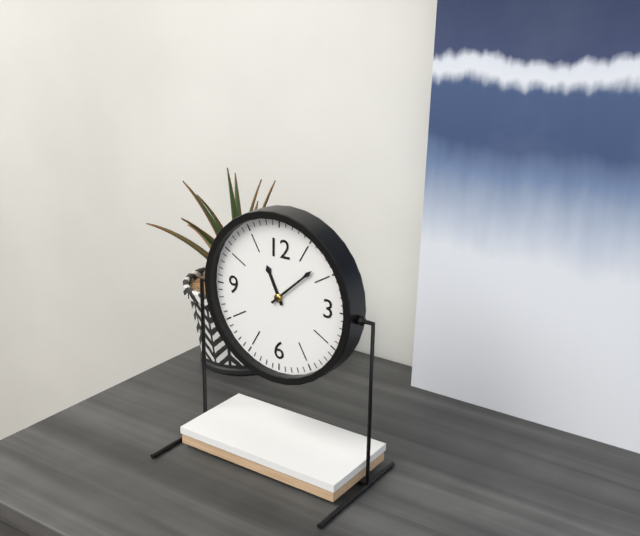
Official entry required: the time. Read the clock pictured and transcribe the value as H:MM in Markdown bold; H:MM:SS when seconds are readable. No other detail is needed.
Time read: **11:08**
